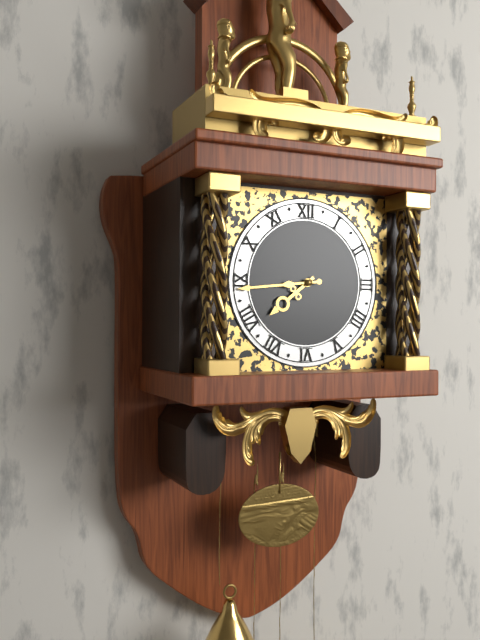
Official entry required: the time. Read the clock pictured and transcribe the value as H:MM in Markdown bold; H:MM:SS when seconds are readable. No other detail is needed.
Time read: **7:44**
